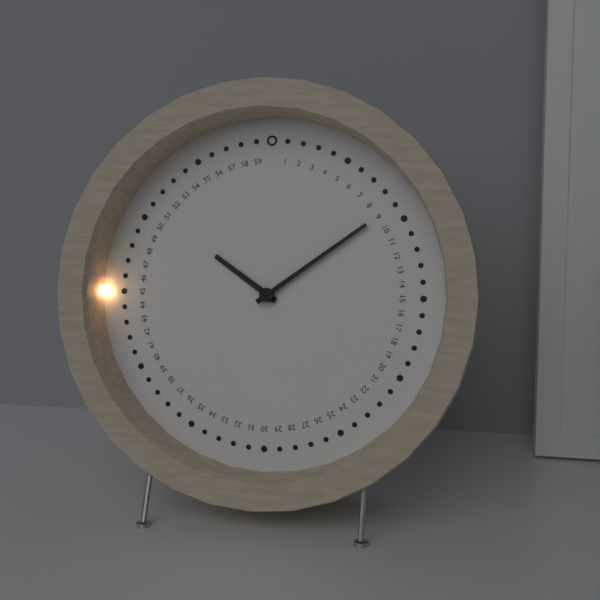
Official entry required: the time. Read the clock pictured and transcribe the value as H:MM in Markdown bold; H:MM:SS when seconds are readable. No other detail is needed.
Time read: **10:09**
